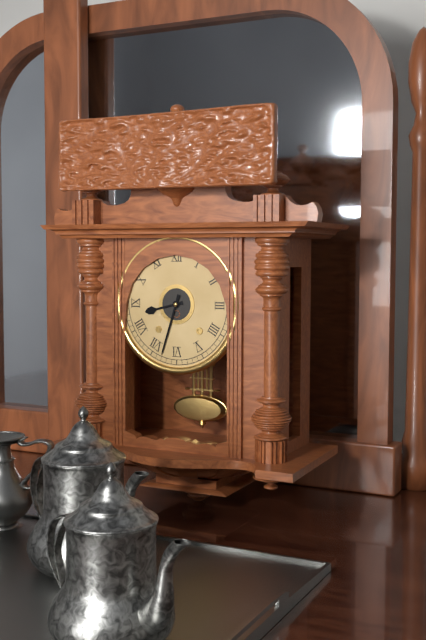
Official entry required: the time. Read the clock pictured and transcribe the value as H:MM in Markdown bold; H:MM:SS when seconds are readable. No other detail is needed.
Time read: **8:33**
